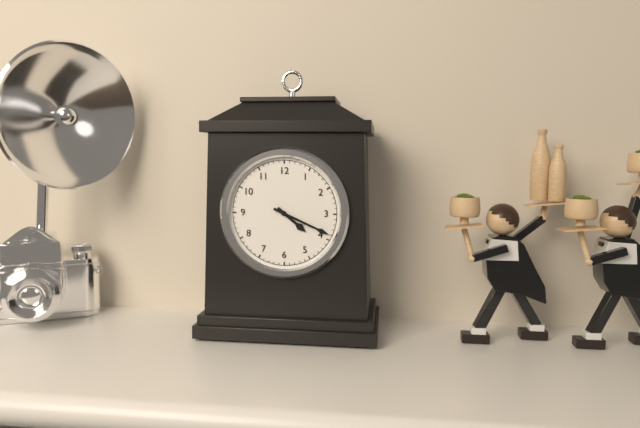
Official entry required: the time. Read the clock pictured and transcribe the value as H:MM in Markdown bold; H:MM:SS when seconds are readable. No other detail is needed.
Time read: **4:19**
